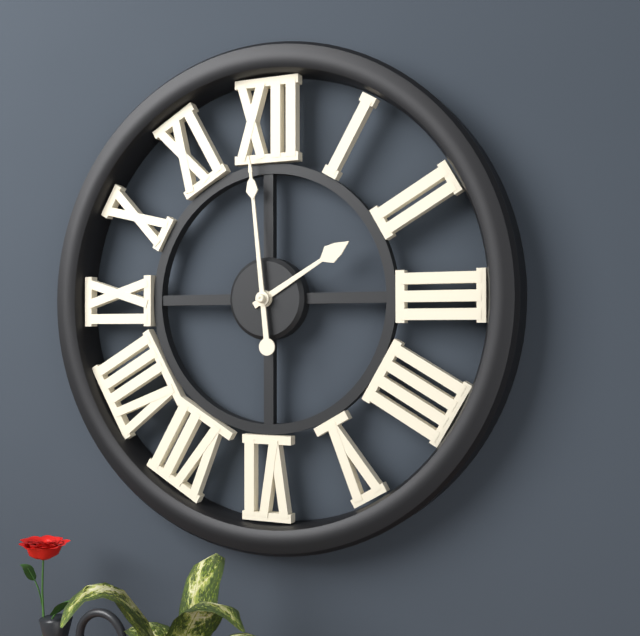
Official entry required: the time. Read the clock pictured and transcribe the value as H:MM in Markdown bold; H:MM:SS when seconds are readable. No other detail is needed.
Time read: **1:59**
